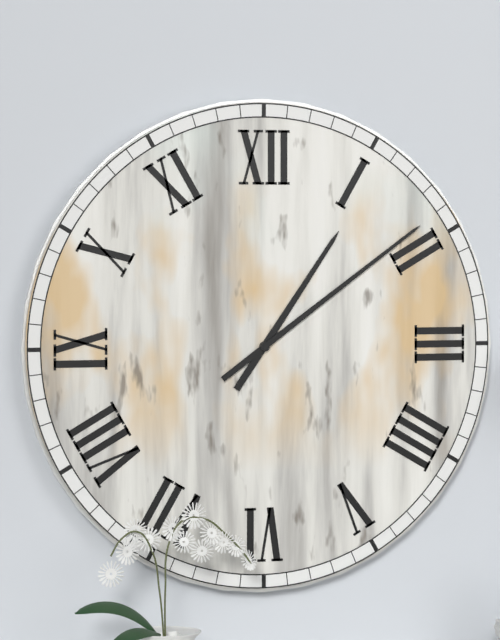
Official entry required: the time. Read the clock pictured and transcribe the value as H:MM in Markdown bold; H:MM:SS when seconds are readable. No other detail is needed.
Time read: **1:09**
